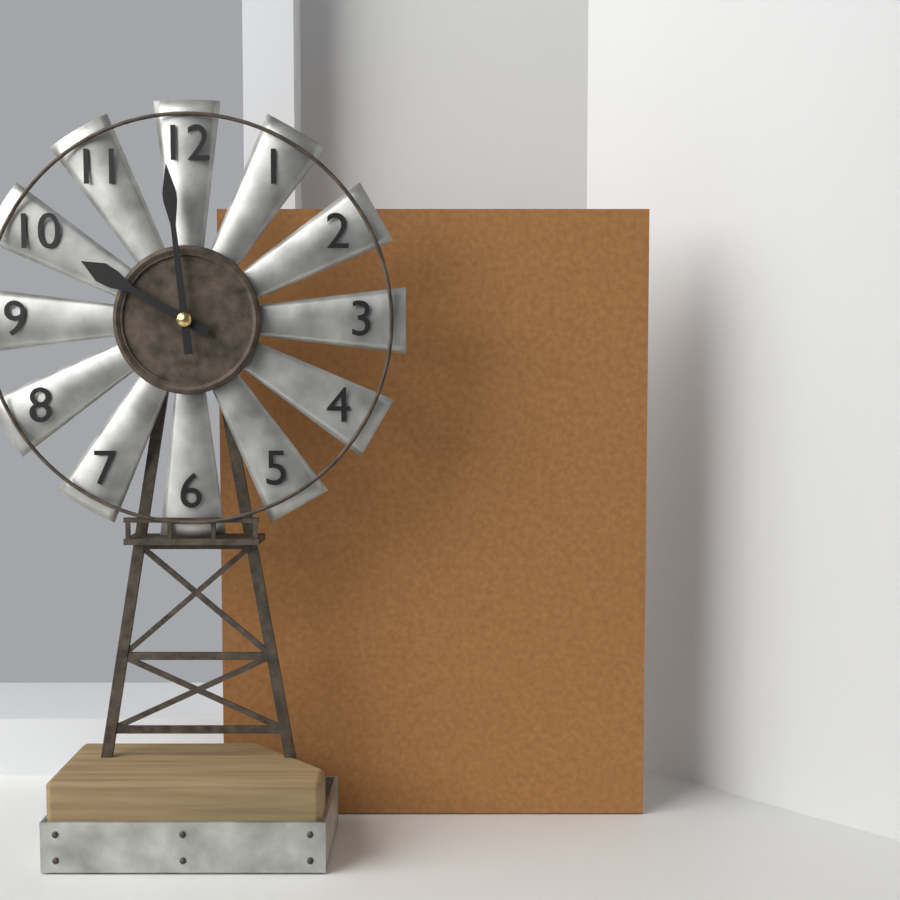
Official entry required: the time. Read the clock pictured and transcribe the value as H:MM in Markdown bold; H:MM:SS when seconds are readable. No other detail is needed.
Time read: **9:59**
